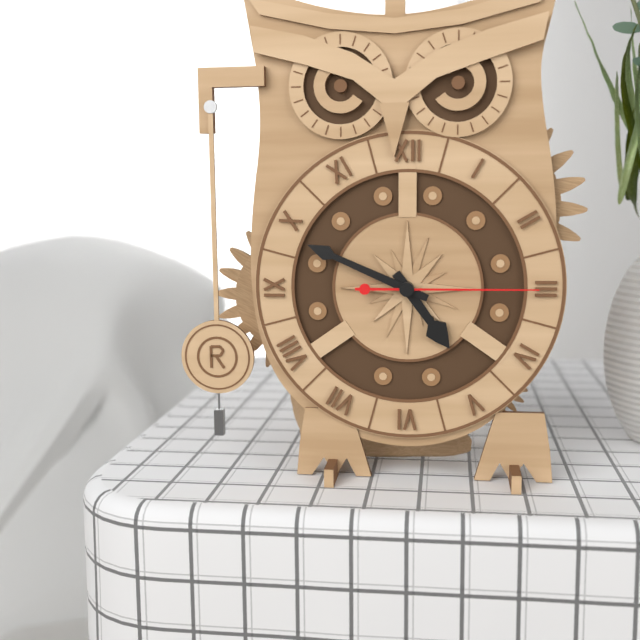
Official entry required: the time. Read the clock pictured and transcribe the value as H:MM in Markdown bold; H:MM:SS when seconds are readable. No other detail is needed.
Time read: **4:49:15**
